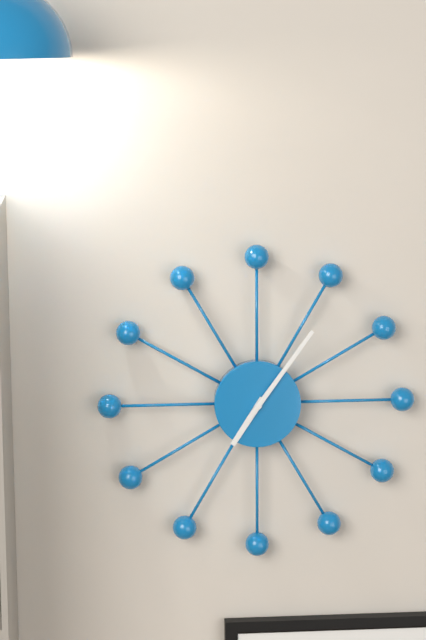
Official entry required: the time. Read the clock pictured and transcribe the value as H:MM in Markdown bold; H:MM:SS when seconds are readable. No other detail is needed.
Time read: **7:06**
